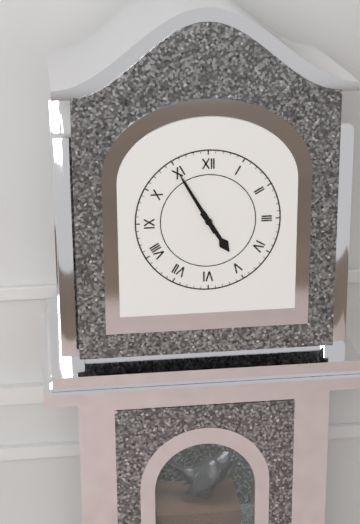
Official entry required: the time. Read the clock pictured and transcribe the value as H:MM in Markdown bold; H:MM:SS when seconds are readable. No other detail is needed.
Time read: **4:55**
